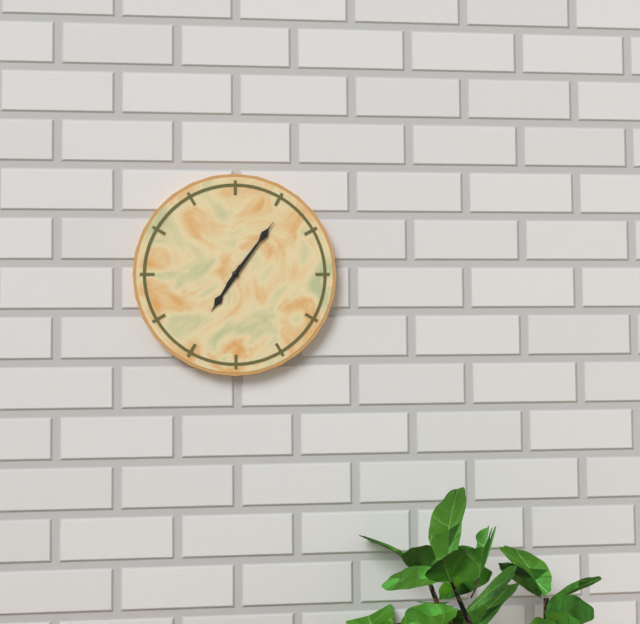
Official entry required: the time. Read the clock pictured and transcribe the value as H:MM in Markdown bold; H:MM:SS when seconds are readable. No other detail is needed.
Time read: **7:06**
